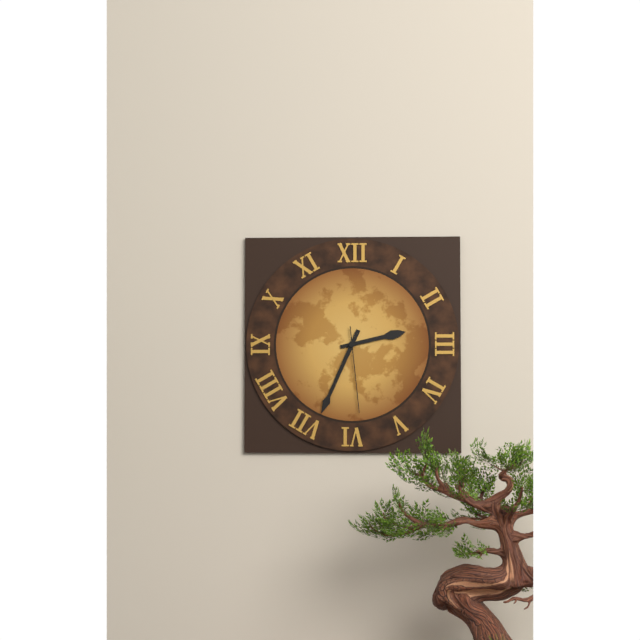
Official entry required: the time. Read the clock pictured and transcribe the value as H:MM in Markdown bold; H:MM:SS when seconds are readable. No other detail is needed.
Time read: **2:34:29**
